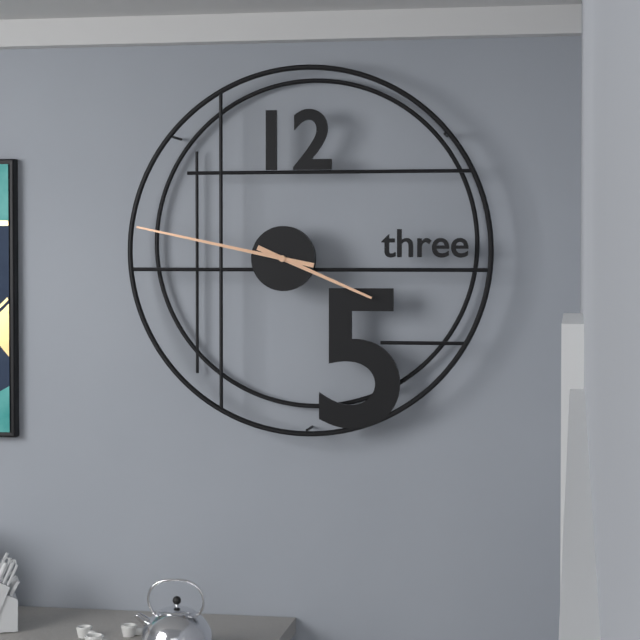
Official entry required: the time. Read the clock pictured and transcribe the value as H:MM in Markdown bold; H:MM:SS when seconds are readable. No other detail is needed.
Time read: **3:47**
